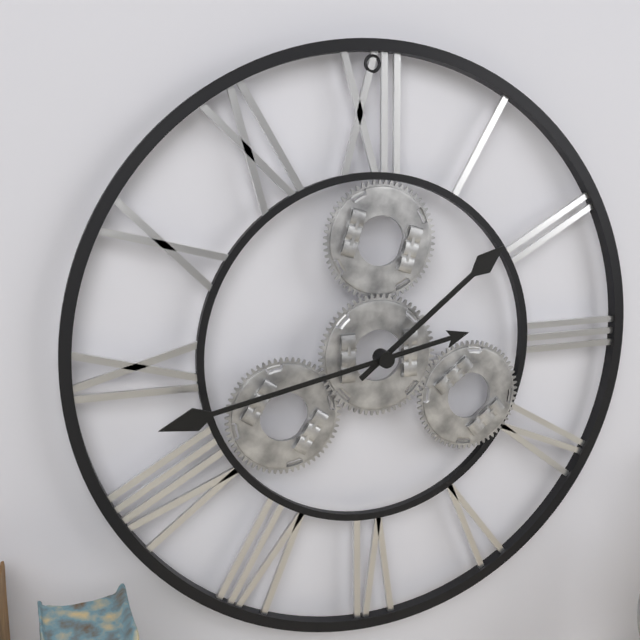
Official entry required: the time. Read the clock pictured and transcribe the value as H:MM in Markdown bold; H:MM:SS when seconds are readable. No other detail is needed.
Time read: **1:43**
